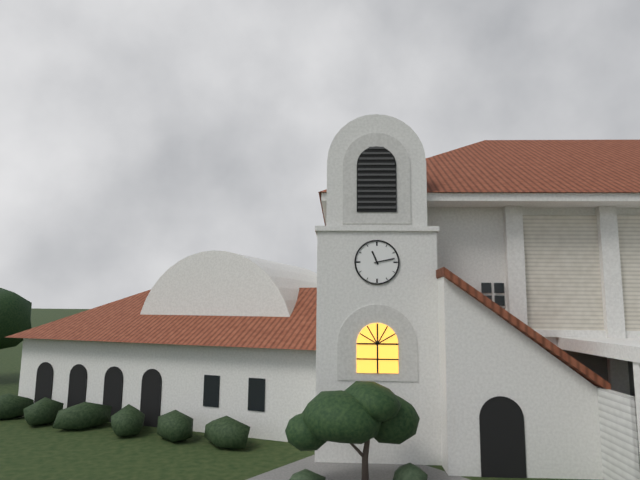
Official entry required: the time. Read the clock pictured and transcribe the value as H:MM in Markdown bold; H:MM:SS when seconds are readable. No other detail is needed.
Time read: **11:13**
